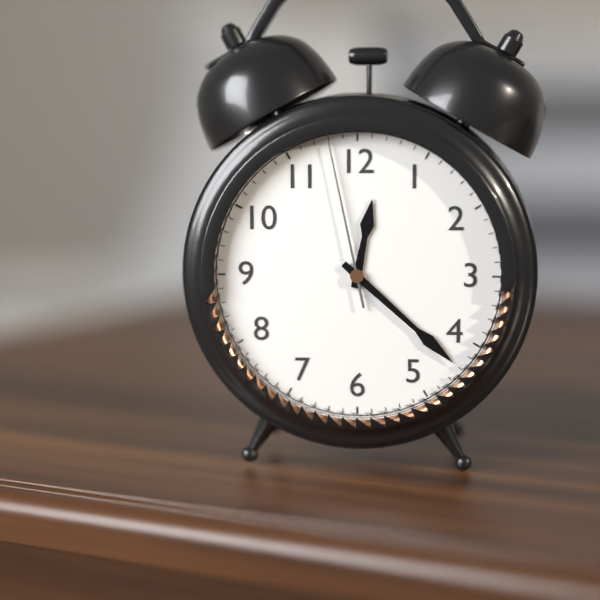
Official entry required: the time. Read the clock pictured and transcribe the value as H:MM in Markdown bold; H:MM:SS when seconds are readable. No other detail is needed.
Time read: **12:22:58**
